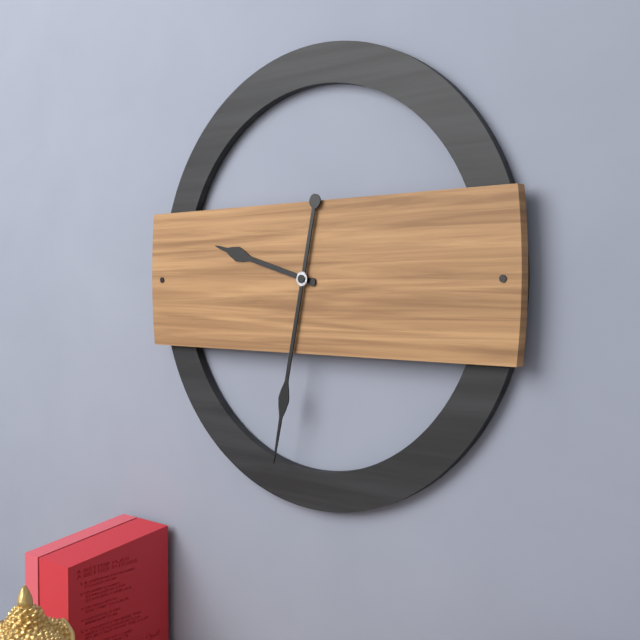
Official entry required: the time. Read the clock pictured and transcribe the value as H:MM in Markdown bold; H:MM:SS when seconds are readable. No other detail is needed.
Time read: **9:32**
